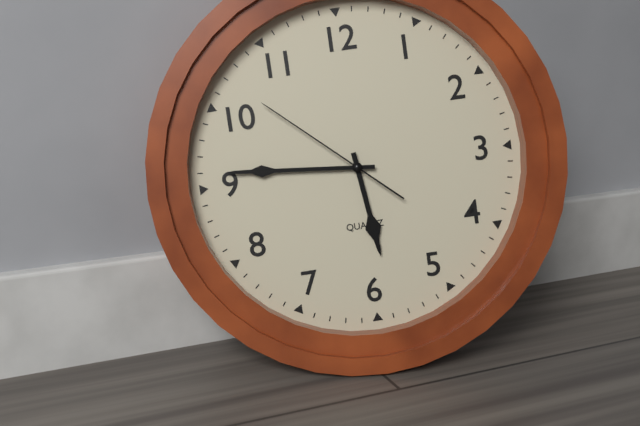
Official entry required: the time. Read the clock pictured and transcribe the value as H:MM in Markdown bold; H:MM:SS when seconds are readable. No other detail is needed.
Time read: **5:46:52**
